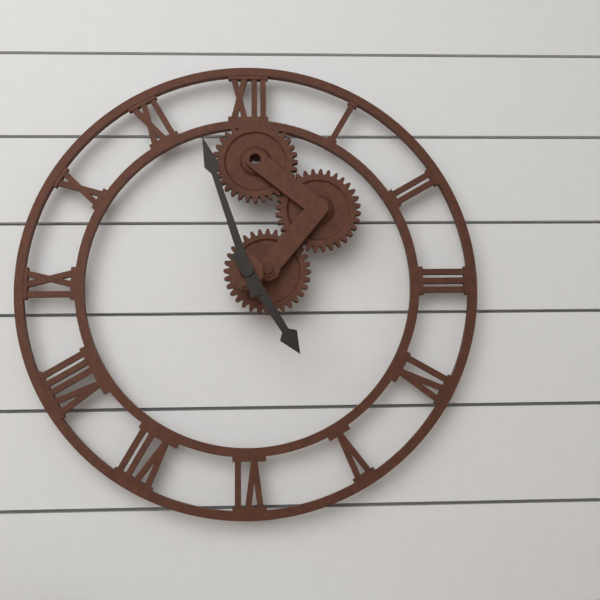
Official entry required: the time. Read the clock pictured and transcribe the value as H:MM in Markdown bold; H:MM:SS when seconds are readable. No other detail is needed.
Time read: **4:57**
